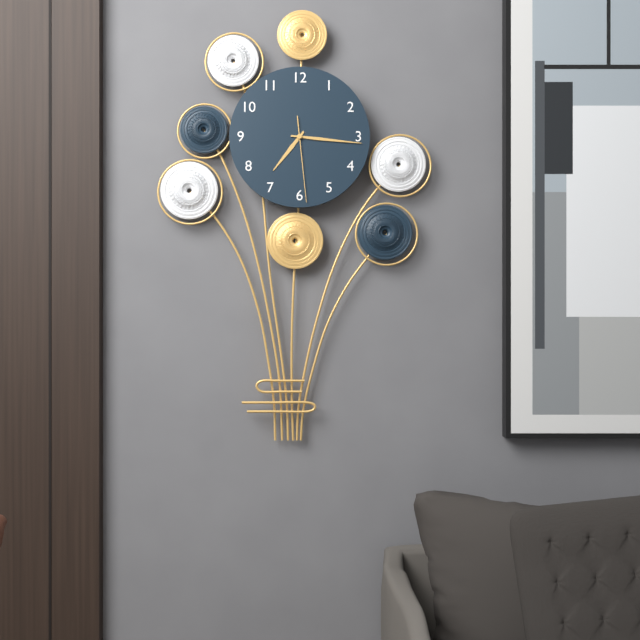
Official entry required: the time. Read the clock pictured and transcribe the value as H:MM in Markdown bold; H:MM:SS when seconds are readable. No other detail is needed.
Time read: **7:16:29**
